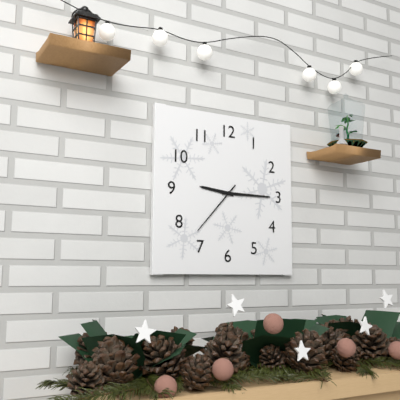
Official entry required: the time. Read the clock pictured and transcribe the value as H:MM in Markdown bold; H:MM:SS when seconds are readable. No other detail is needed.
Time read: **9:15:37**
